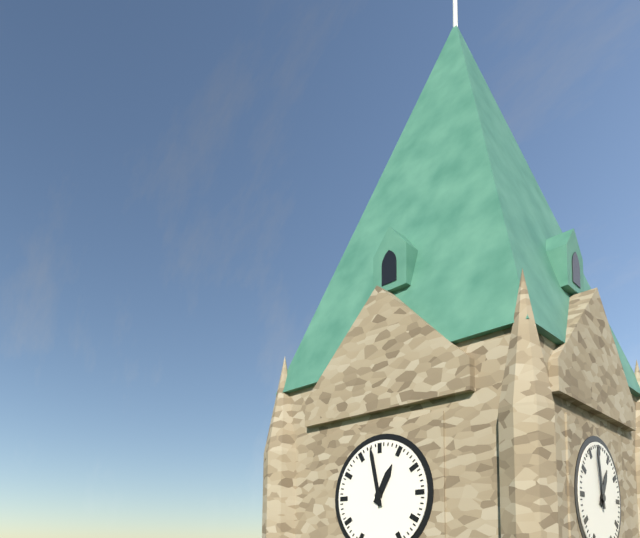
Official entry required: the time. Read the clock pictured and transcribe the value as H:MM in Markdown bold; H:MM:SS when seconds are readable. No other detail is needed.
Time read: **12:58**
